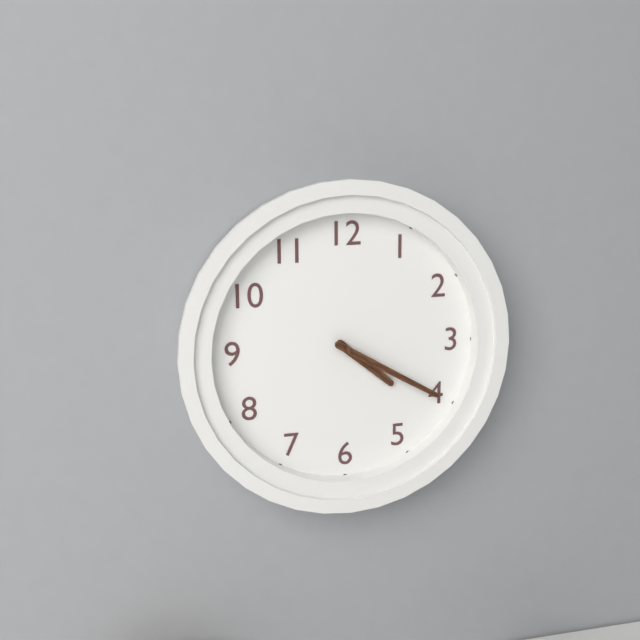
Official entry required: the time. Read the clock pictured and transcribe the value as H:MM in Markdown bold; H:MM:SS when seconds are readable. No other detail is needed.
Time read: **4:20**
